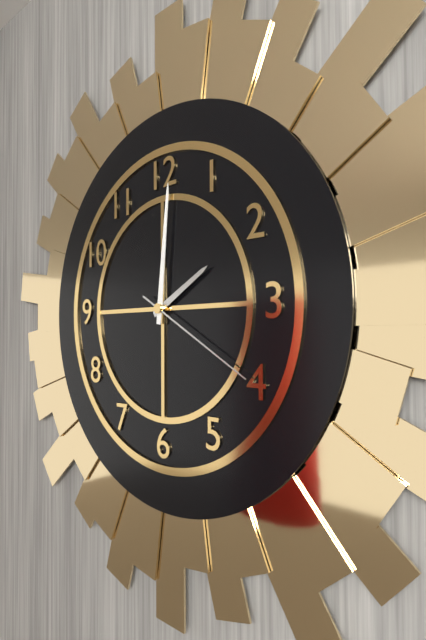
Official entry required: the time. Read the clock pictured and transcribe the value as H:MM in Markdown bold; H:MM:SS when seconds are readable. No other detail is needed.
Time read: **2:01:20**
